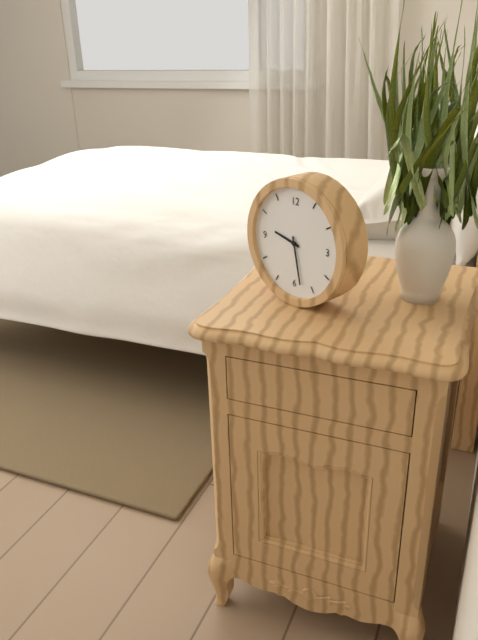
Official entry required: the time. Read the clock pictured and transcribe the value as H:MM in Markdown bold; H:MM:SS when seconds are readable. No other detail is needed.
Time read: **9:28**
